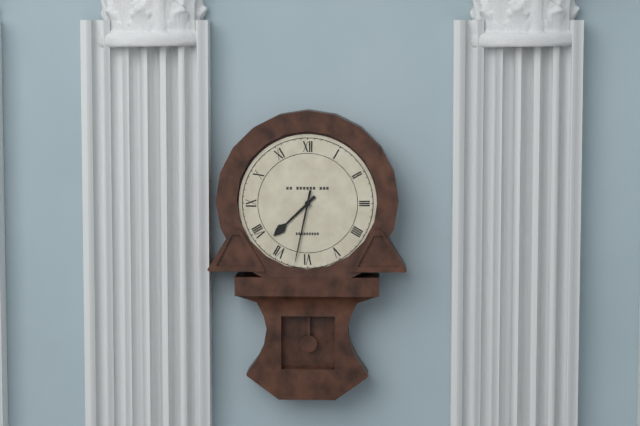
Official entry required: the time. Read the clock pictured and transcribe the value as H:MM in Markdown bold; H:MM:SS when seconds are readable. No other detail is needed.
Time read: **7:32**
